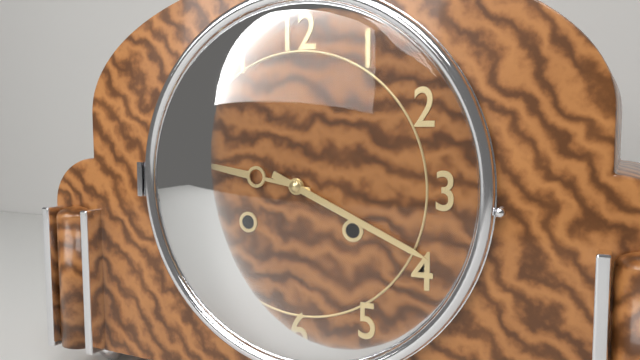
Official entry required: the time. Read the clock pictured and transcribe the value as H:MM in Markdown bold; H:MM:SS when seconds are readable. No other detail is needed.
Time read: **9:19**
